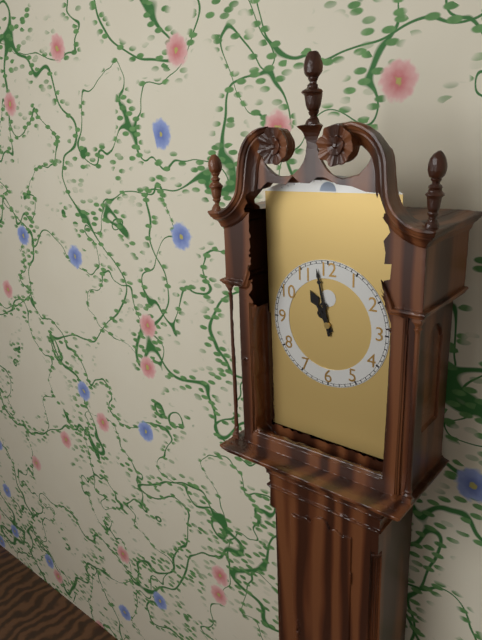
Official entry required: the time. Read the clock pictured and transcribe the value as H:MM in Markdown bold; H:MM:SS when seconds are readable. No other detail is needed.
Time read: **10:58**
